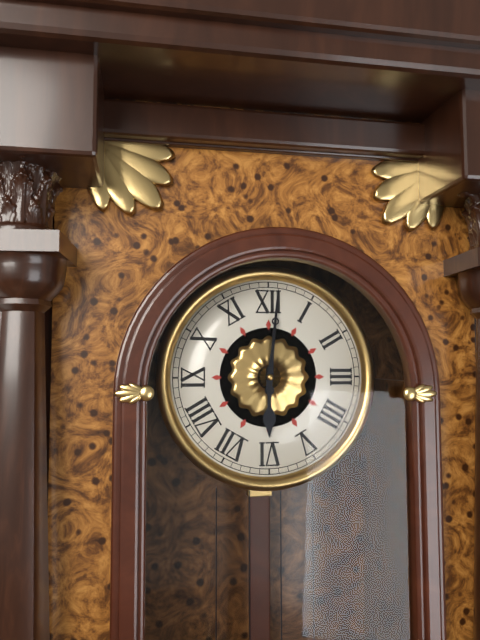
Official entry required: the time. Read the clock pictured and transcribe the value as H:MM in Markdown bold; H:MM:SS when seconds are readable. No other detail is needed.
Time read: **6:01**
